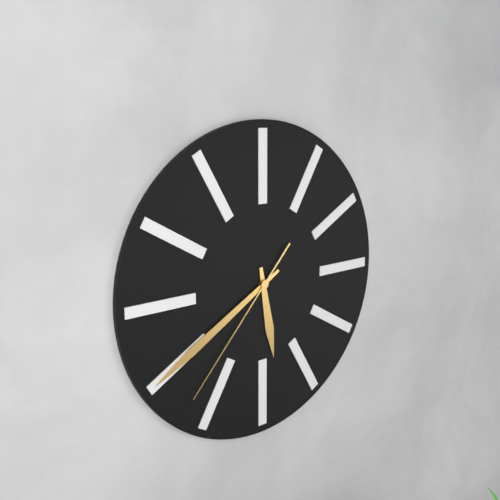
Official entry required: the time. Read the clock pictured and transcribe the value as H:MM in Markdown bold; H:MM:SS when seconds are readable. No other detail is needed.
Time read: **5:40:37**
